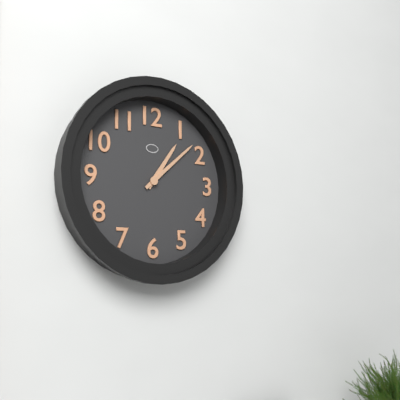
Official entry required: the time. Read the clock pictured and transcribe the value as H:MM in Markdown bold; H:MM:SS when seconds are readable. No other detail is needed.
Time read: **1:08**
